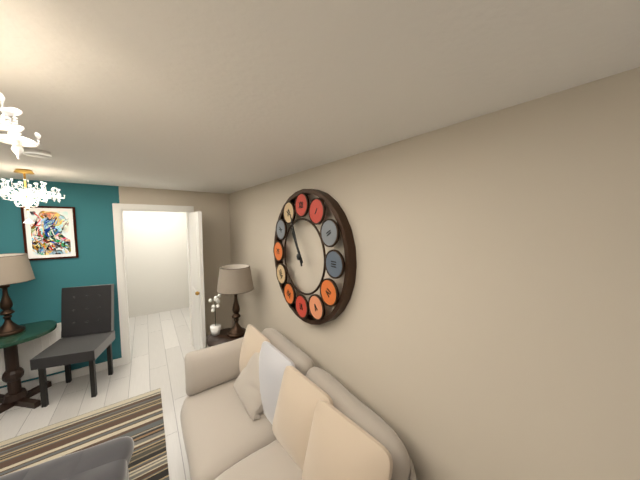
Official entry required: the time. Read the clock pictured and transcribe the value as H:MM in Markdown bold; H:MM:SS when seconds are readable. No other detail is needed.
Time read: **10:56**
